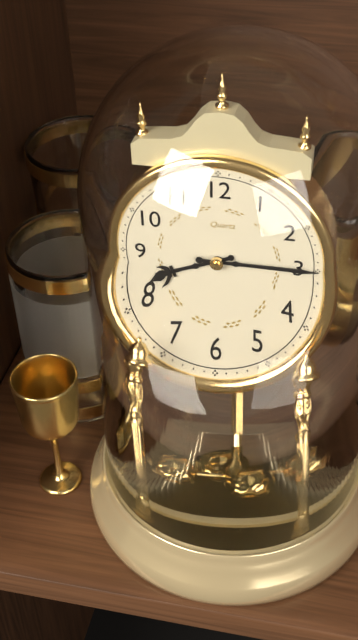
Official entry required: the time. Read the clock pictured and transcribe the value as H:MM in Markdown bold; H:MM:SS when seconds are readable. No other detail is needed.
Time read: **8:15**
